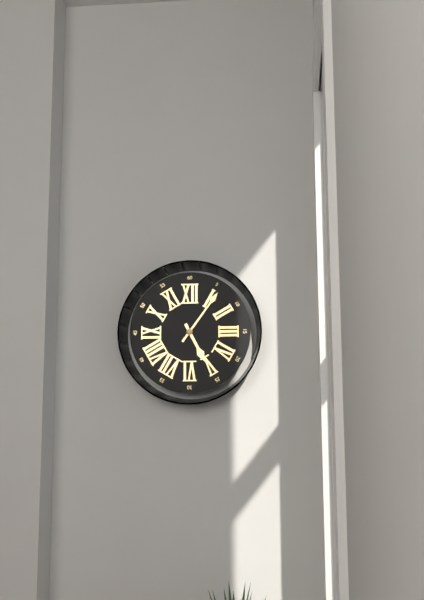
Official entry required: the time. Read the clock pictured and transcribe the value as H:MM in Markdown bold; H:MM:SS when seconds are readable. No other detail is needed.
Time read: **5:06**
